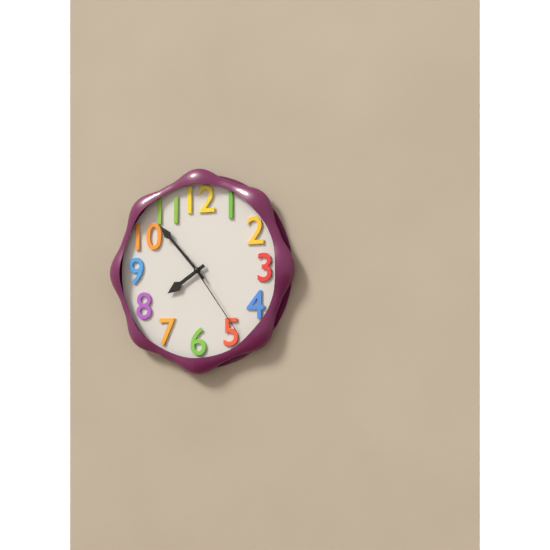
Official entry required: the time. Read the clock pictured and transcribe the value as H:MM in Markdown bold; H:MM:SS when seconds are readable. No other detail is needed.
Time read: **7:53:24**
